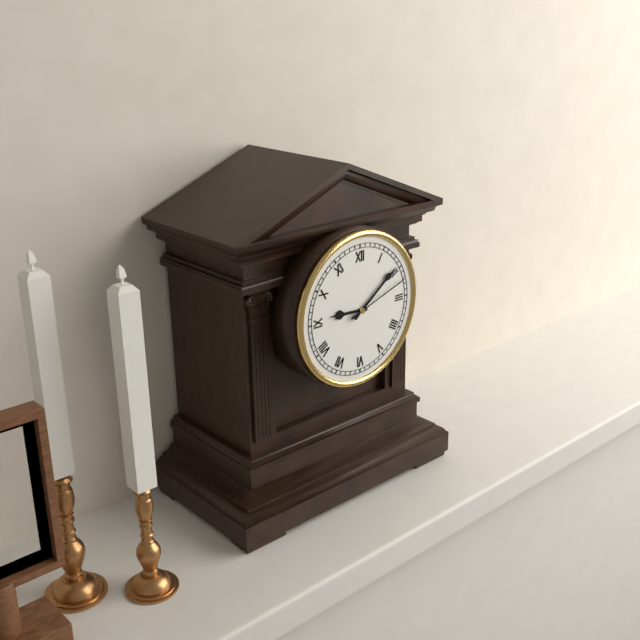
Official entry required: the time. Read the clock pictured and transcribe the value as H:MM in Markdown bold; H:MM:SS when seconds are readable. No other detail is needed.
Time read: **9:09:12**
